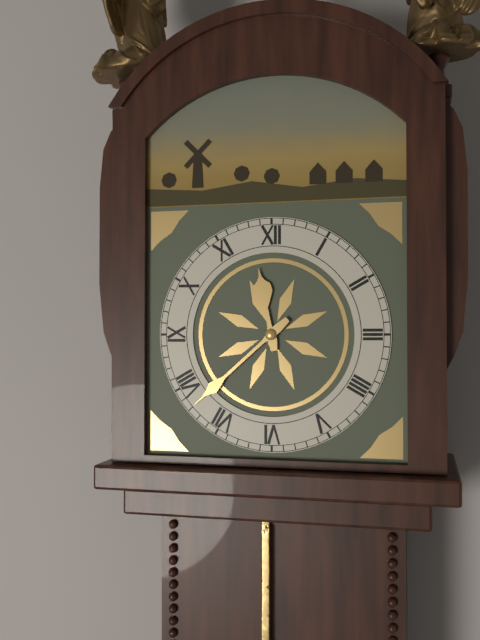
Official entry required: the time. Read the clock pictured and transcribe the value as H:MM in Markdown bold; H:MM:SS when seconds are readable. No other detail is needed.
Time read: **11:38**
